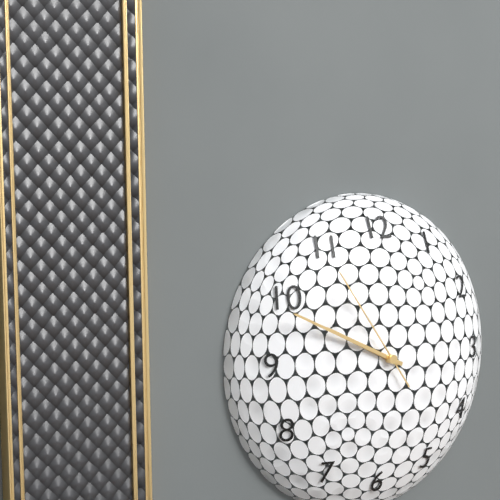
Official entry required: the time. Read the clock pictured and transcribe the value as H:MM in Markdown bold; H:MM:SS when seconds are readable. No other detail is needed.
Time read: **9:49:54**
